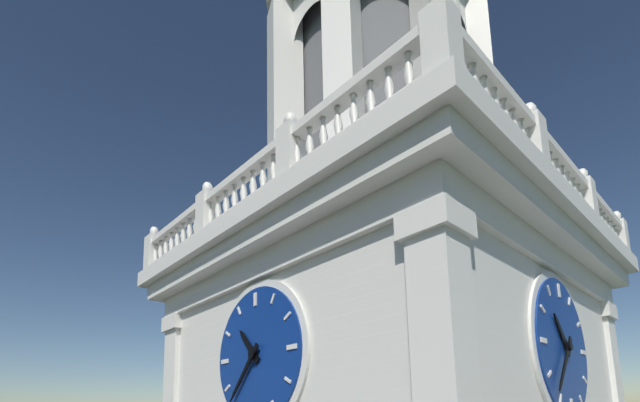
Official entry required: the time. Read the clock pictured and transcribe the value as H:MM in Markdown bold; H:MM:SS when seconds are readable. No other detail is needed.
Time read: **10:37**
